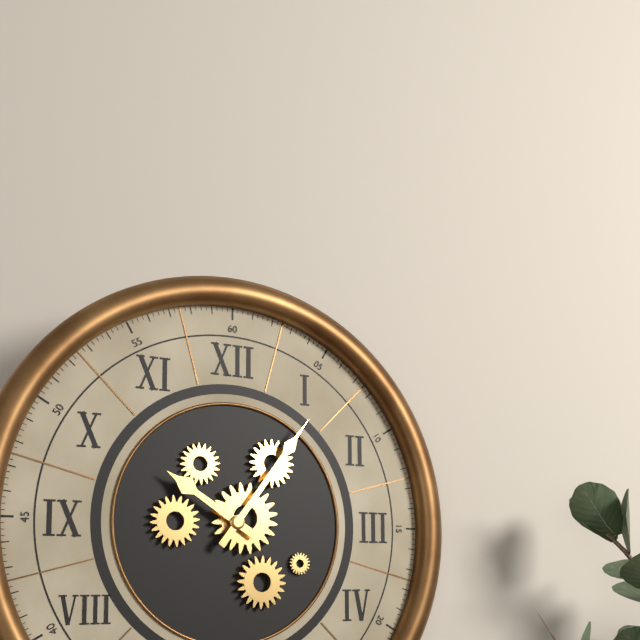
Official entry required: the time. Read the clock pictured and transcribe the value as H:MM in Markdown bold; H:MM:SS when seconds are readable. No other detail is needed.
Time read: **10:06**
